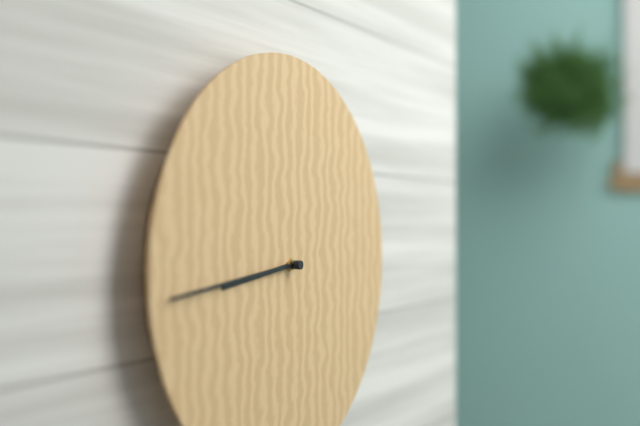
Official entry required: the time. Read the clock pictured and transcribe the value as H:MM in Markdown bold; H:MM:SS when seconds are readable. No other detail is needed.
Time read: **8:44**
